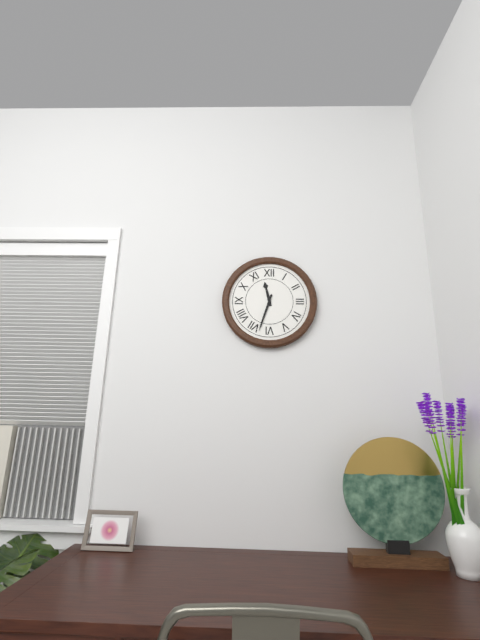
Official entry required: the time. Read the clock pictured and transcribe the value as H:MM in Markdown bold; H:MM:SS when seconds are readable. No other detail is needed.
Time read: **11:33**
